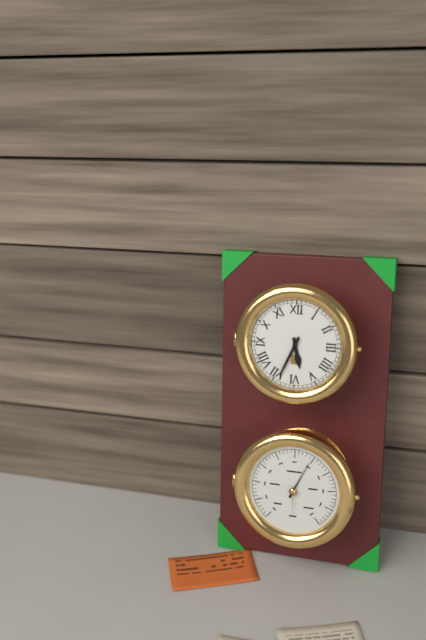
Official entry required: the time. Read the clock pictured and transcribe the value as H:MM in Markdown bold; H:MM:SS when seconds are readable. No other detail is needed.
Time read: **5:34**
